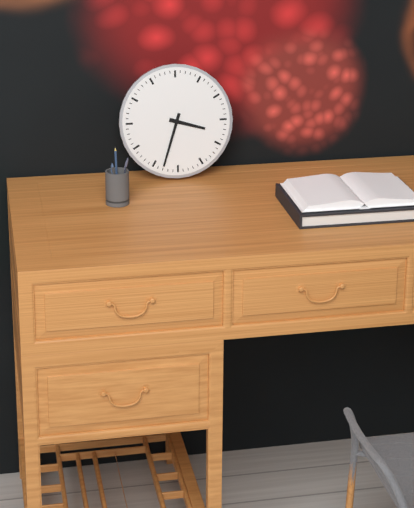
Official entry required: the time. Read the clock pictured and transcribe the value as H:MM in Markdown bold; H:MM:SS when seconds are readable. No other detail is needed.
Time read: **3:33**
